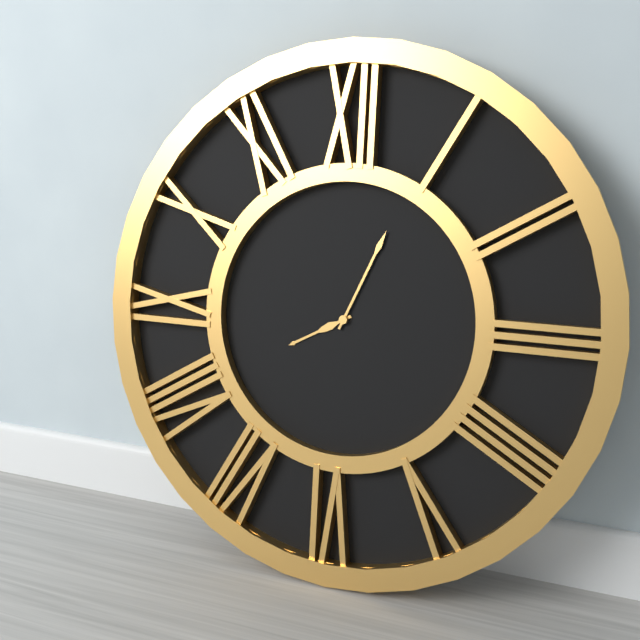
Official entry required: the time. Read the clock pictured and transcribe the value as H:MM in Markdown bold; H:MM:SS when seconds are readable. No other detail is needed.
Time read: **8:04**
